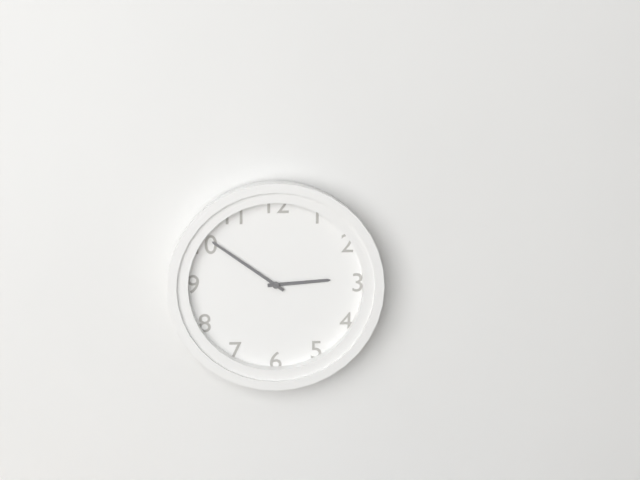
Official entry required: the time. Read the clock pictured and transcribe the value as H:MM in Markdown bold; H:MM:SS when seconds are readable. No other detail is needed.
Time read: **2:51**
